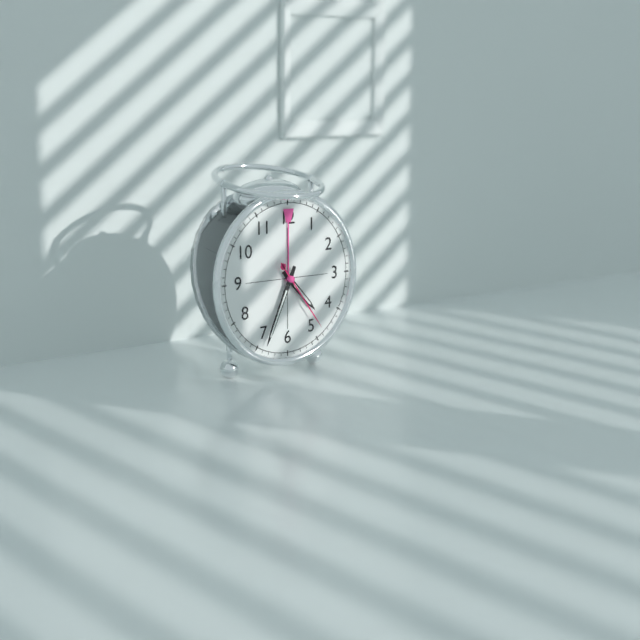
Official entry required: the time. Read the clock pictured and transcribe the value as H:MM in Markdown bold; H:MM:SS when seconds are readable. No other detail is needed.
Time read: **4:34:24**
